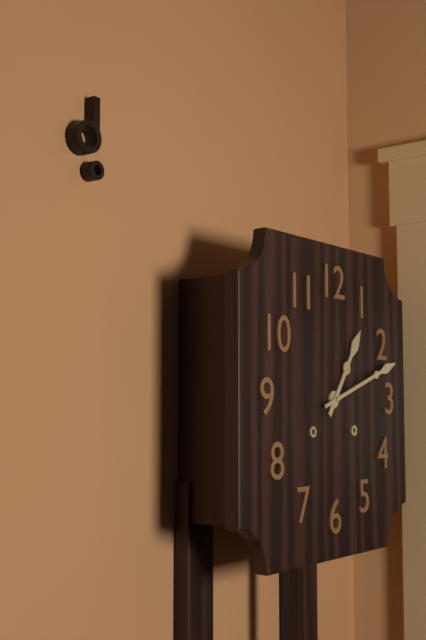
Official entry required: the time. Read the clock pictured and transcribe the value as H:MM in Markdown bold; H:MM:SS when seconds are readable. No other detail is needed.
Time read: **1:12**
